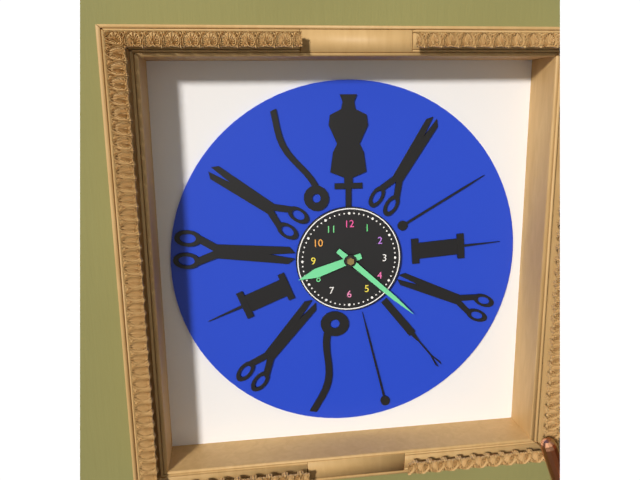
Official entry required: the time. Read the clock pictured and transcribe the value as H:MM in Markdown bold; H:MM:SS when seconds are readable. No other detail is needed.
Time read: **8:22**
